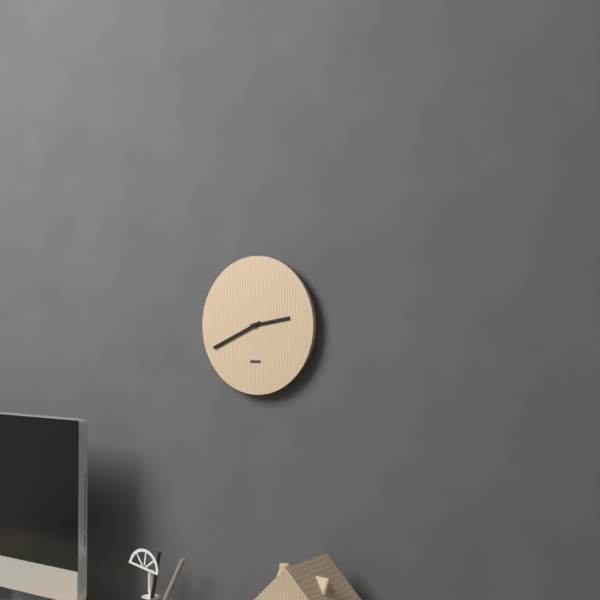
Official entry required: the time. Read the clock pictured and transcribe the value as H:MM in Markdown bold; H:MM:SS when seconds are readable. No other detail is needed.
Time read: **2:41**
